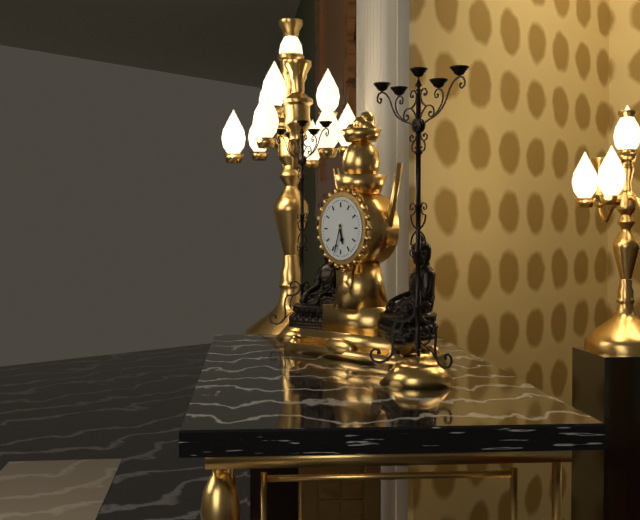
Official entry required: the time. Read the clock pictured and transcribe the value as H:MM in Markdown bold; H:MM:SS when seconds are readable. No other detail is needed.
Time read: **5:33**
